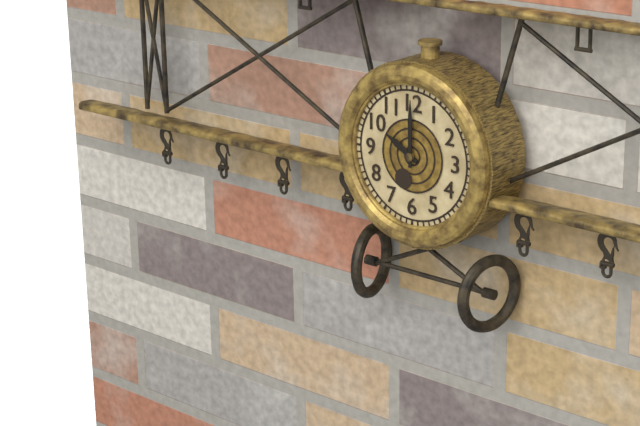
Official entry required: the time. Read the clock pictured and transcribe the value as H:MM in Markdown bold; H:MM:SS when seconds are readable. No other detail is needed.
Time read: **10:00**
